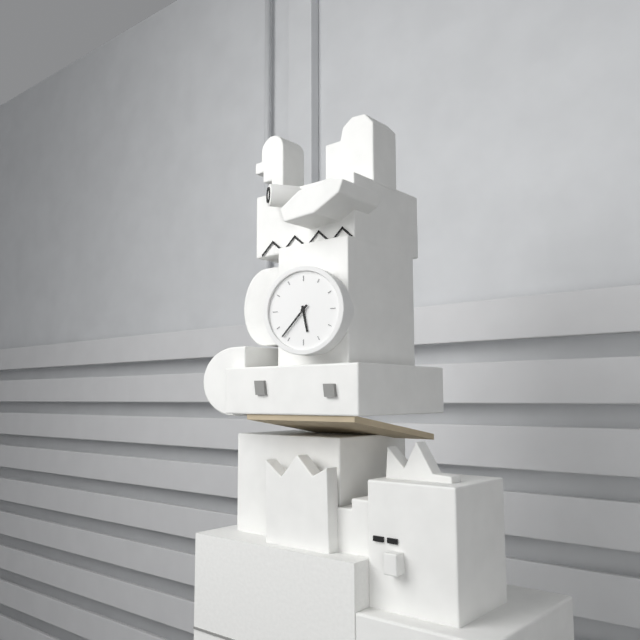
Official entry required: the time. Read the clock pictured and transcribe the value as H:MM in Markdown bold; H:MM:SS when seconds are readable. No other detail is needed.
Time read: **5:37**
